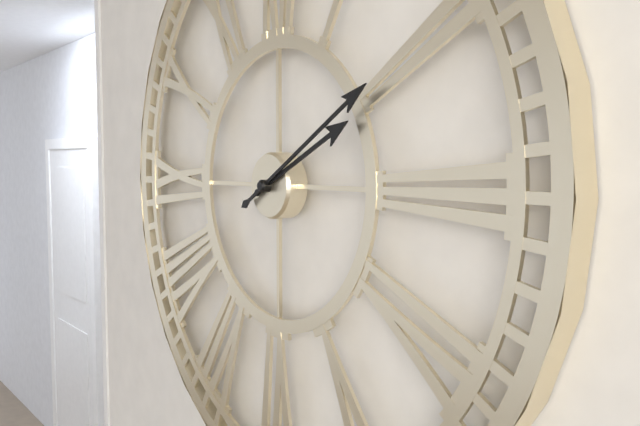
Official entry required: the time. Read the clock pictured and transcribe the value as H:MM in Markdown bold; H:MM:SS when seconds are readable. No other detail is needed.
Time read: **2:10**
